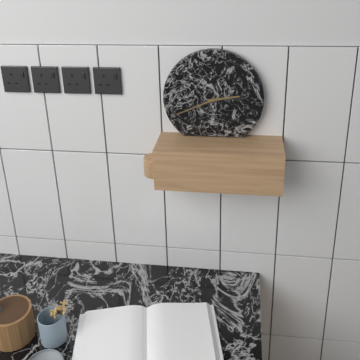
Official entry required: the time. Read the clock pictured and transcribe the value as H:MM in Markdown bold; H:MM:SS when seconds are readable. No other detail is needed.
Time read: **2:41**
